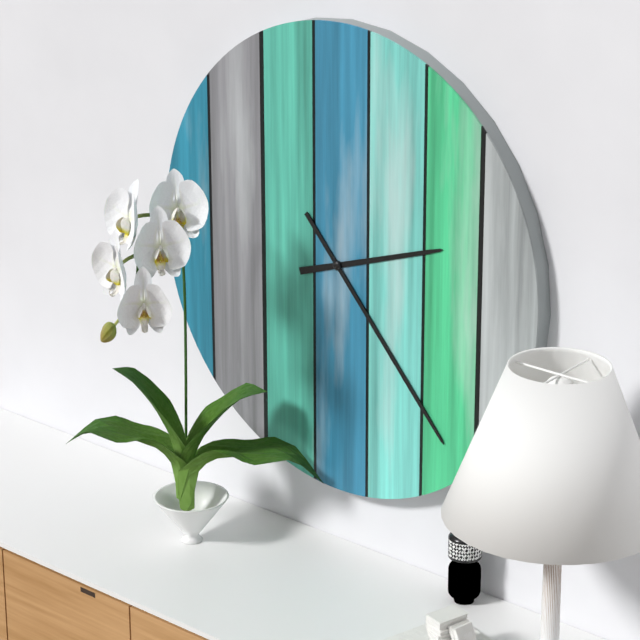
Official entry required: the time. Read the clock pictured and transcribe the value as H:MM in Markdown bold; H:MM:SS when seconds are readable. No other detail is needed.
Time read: **2:23**
